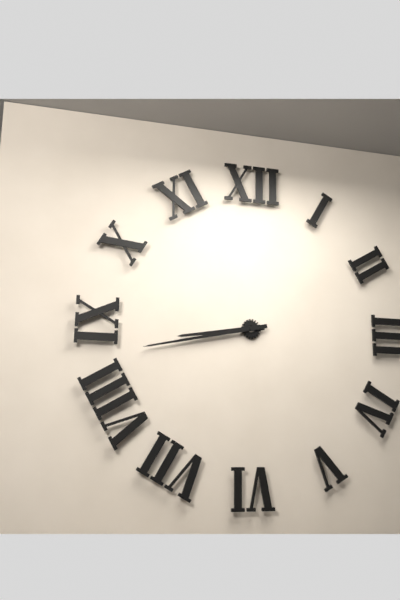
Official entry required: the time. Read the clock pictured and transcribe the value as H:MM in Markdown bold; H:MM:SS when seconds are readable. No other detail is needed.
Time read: **8:43**
